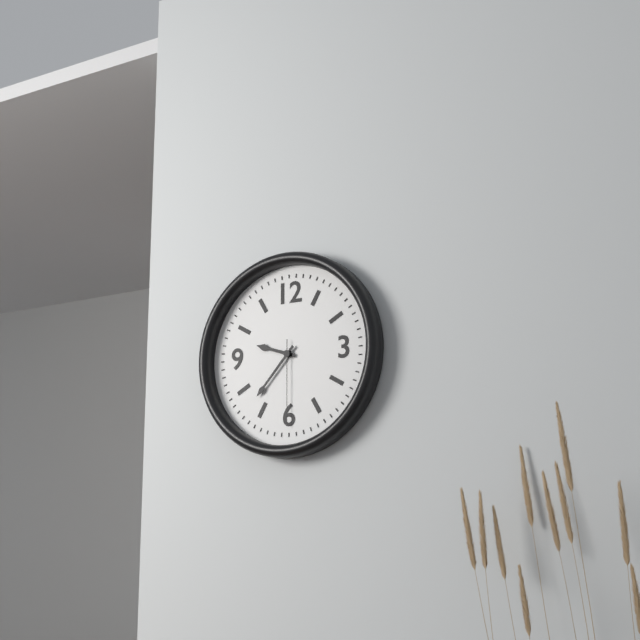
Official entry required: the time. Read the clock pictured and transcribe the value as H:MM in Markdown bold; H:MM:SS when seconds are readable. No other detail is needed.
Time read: **9:37:30**
